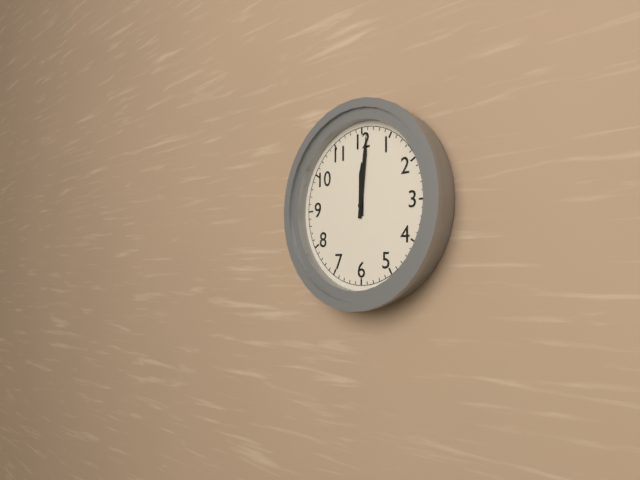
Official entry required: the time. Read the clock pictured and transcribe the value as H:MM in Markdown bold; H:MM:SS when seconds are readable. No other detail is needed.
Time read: **12:01**
